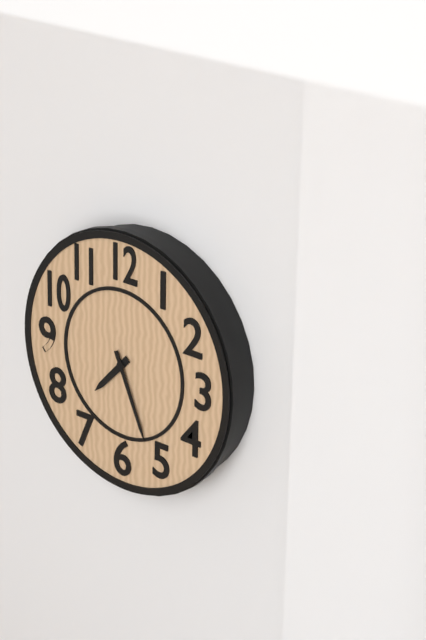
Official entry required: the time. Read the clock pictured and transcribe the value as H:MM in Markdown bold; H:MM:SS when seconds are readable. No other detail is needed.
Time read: **7:26**
